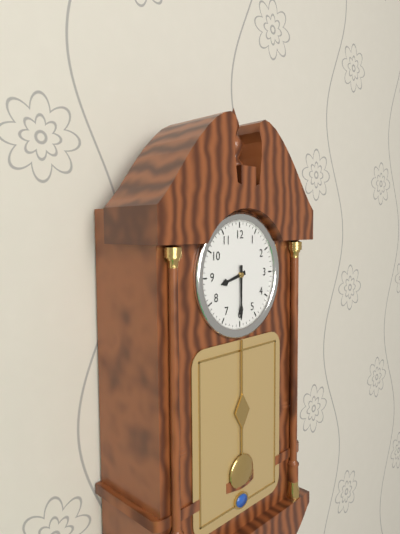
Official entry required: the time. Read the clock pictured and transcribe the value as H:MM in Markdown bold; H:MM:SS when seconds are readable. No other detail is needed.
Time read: **8:30**
